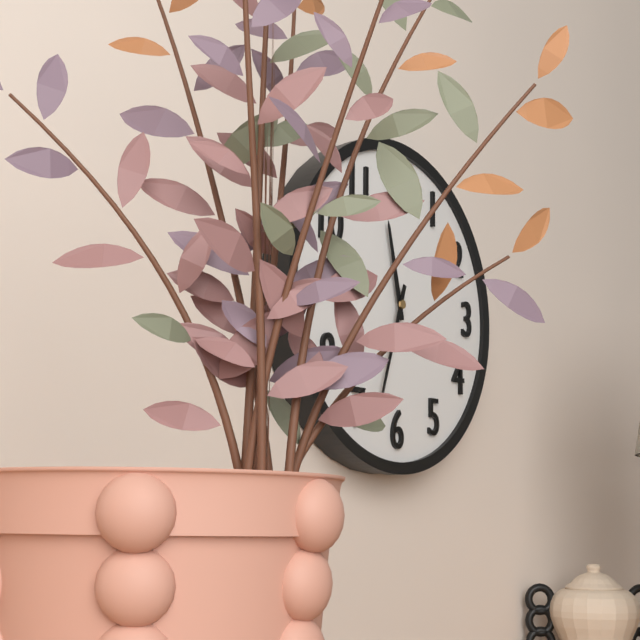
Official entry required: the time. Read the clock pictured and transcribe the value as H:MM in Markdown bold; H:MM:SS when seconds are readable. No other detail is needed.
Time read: **11:33**
